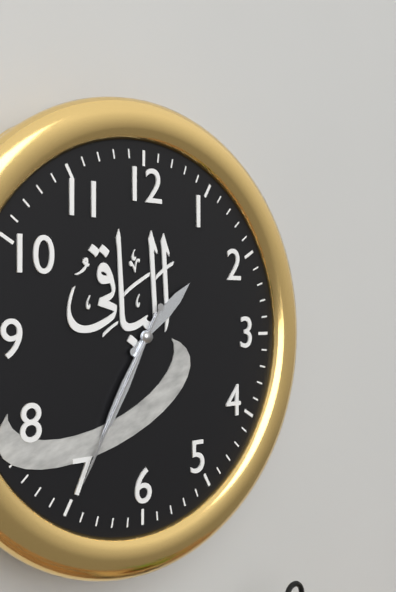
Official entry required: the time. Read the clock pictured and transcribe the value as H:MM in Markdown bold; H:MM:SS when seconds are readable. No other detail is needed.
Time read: **1:35:35**
